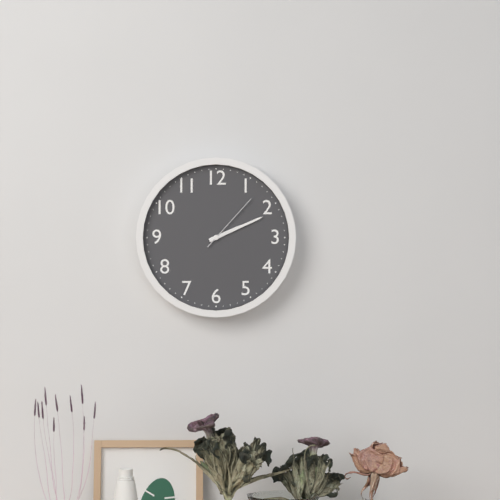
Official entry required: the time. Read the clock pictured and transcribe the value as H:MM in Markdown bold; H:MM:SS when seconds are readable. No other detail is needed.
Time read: **2:11:07**
